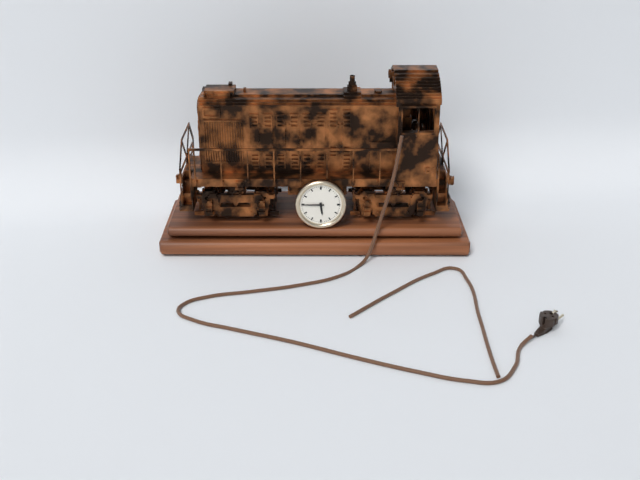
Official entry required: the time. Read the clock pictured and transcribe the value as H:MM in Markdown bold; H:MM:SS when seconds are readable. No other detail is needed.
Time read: **5:45**
